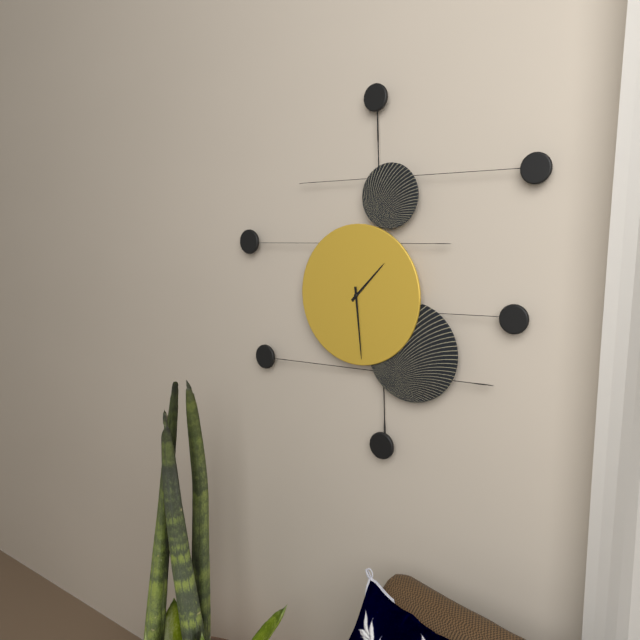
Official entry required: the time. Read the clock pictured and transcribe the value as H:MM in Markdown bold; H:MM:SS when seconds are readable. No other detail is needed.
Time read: **1:29**
